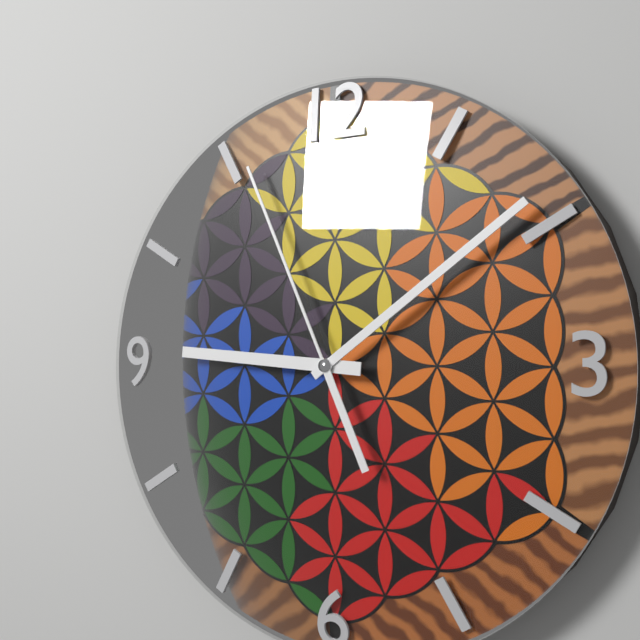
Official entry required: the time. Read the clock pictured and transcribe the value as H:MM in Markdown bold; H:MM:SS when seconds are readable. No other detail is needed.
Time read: **9:09:56**
